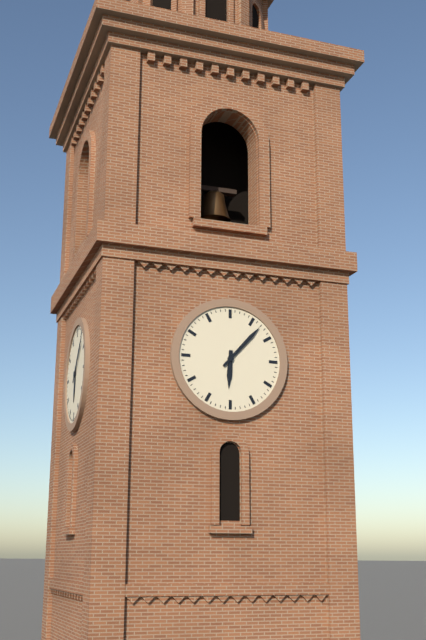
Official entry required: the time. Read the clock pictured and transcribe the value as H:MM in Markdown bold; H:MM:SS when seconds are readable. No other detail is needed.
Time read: **6:07**
